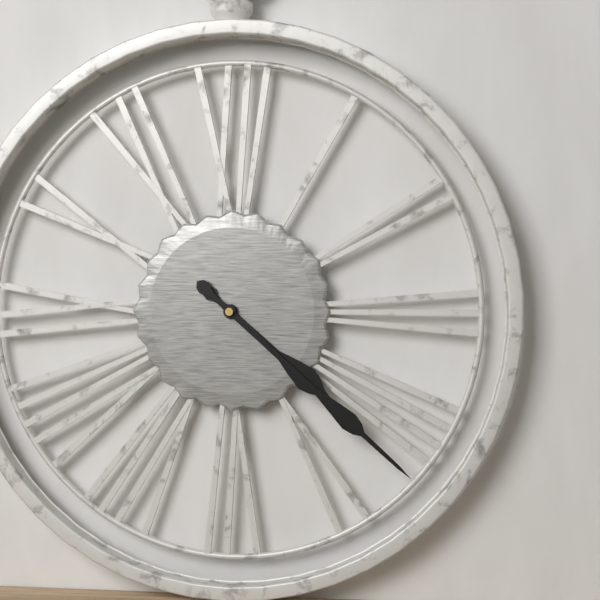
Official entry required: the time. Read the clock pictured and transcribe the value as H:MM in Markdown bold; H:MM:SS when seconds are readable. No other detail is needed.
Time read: **4:22**
